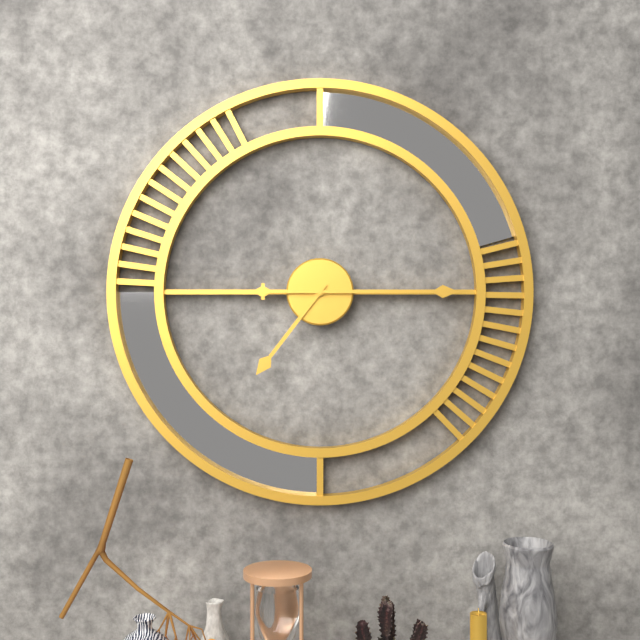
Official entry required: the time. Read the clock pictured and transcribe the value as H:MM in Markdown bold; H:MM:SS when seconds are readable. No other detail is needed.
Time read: **7:15**
